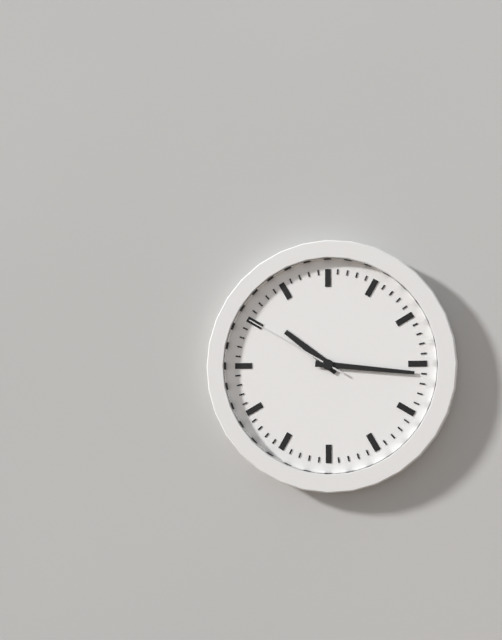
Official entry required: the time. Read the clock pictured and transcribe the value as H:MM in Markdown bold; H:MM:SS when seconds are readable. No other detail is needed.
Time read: **10:16:50**
